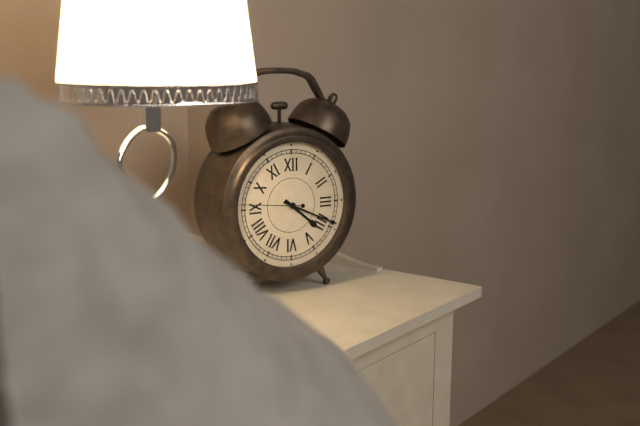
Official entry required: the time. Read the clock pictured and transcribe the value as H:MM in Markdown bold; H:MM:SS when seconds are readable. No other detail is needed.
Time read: **4:19:46**
